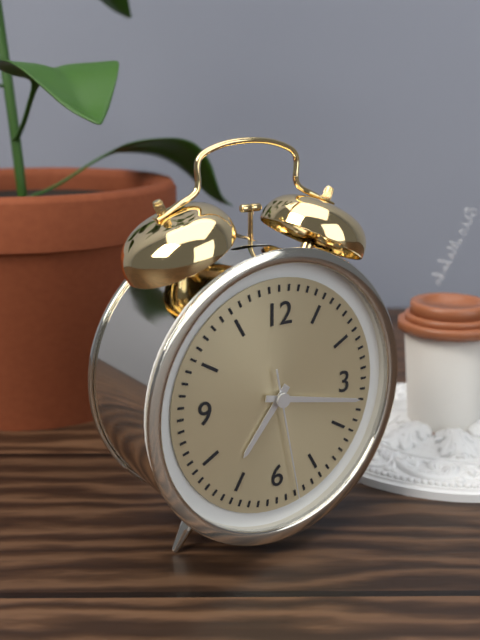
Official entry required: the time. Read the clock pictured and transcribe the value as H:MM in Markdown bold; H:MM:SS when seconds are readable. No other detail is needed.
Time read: **7:17:28**
